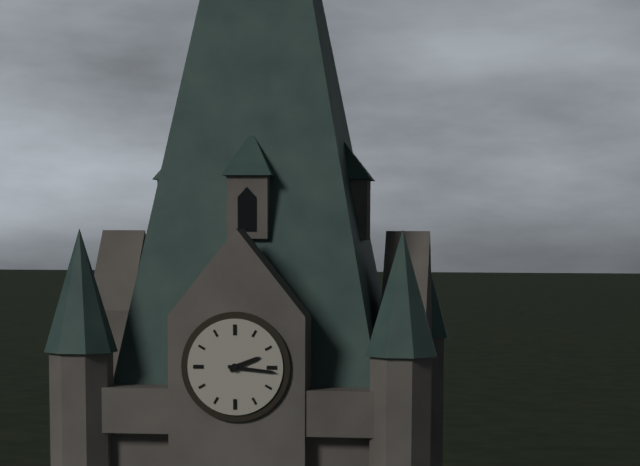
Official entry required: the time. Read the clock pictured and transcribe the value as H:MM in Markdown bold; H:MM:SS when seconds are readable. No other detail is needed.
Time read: **2:16**
